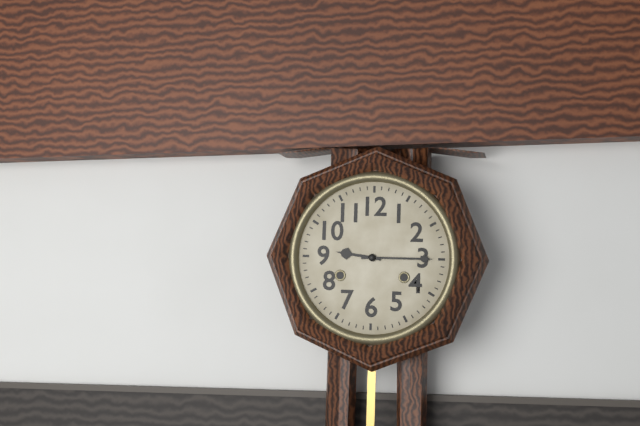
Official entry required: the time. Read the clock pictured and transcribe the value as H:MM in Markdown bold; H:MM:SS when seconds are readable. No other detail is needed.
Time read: **9:15**
